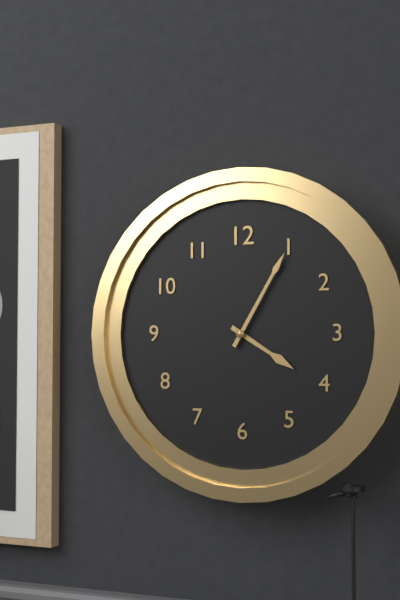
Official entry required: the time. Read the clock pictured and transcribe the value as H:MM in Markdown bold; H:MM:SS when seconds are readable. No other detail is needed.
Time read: **4:05**
